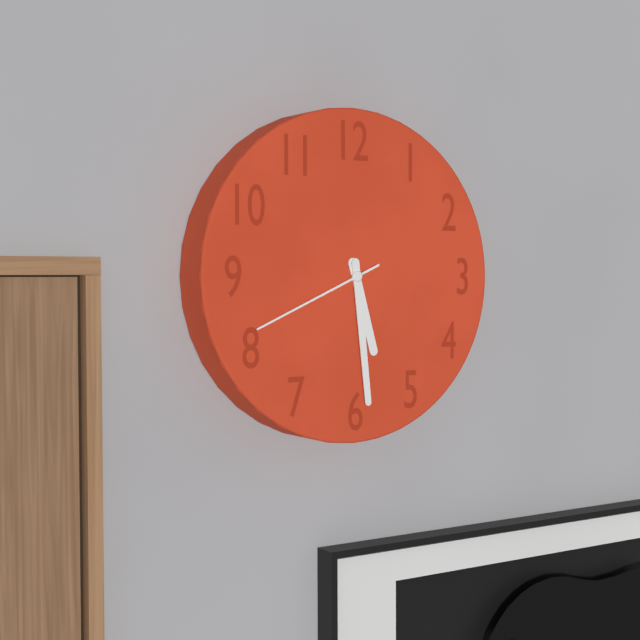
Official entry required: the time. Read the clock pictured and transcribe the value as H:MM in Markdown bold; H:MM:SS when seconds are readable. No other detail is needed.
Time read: **5:29:41**
